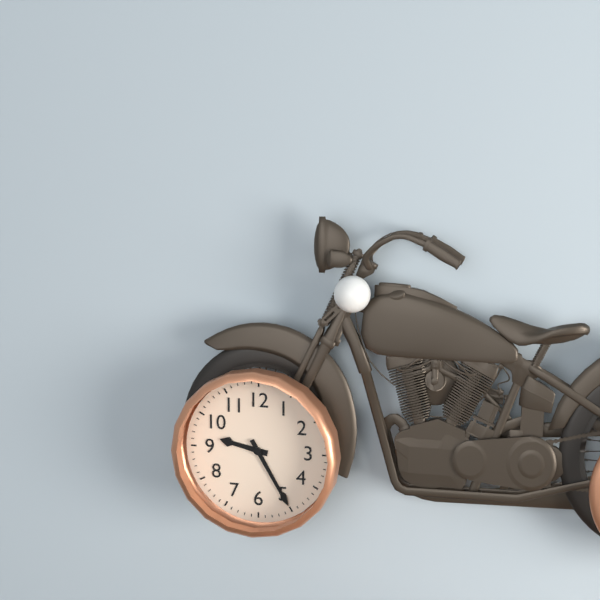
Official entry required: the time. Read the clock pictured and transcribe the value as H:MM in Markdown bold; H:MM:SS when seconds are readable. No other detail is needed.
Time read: **9:25**
